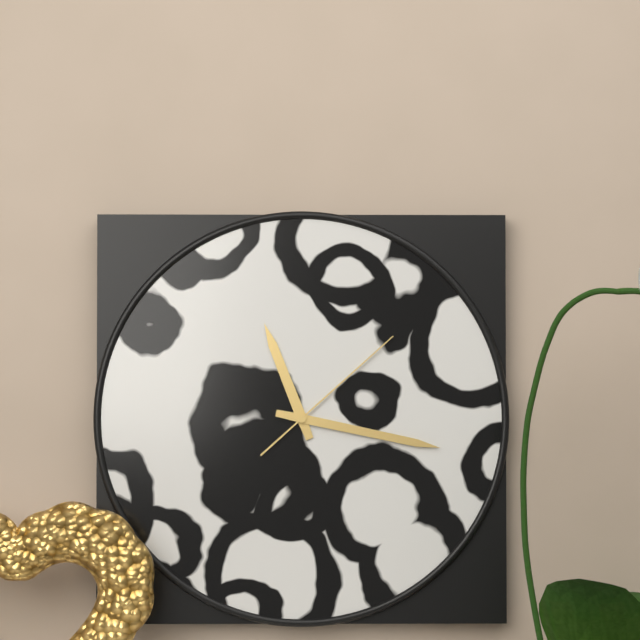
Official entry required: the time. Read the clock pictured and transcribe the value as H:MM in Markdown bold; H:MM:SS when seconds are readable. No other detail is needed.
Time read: **11:17:08**
